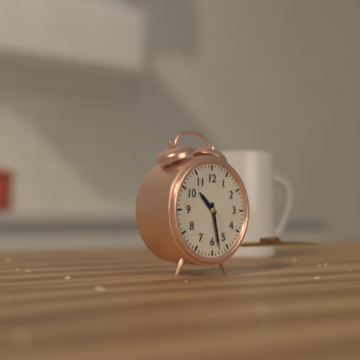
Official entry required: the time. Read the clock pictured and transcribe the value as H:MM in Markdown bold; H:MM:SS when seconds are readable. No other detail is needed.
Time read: **10:28**
